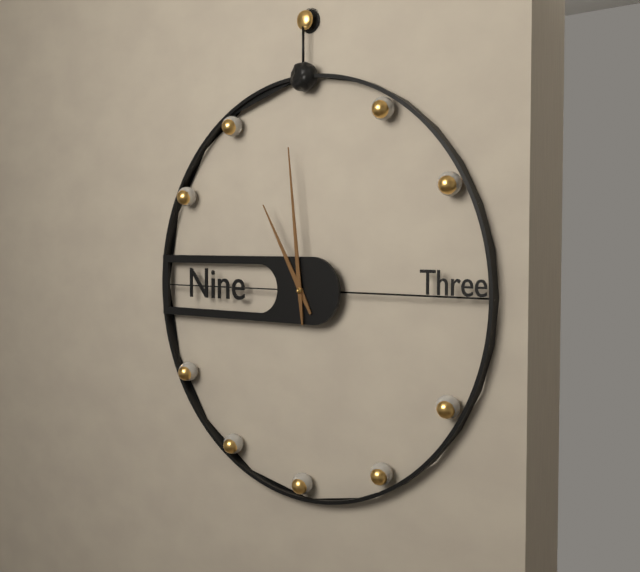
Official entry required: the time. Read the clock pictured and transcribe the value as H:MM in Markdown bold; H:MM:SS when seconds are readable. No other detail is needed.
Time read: **10:59**
